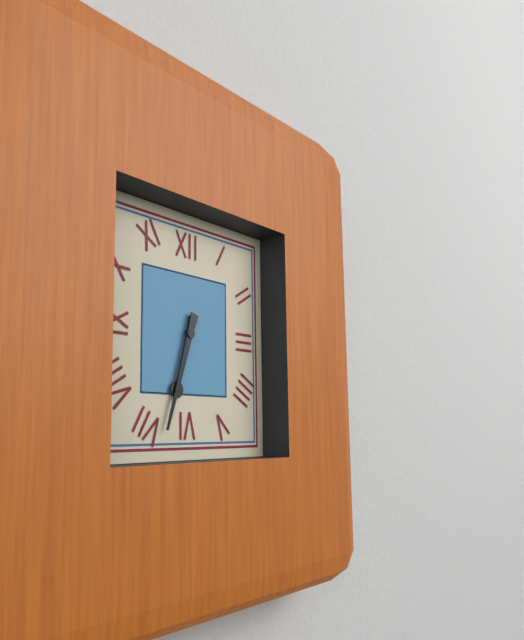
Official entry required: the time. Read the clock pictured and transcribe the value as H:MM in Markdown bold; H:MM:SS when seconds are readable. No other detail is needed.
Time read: **6:33**
